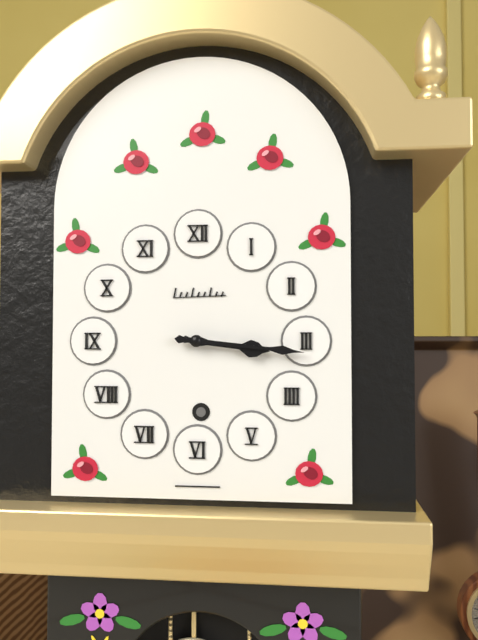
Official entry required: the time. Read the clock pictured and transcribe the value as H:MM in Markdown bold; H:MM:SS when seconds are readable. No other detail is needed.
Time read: **3:16**
